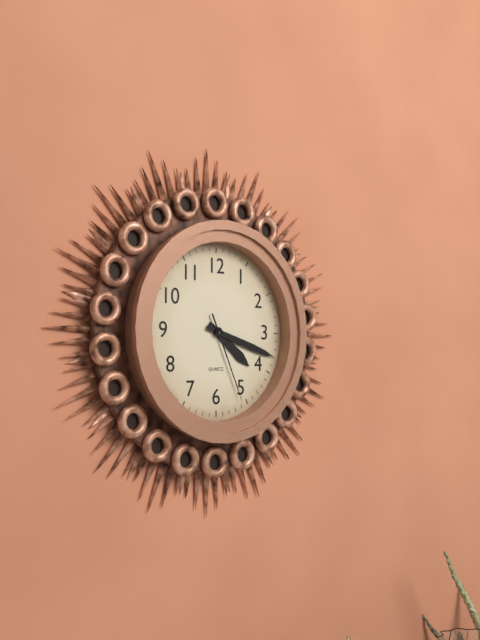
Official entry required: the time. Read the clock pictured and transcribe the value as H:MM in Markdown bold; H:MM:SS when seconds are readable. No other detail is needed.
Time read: **4:18:26**
